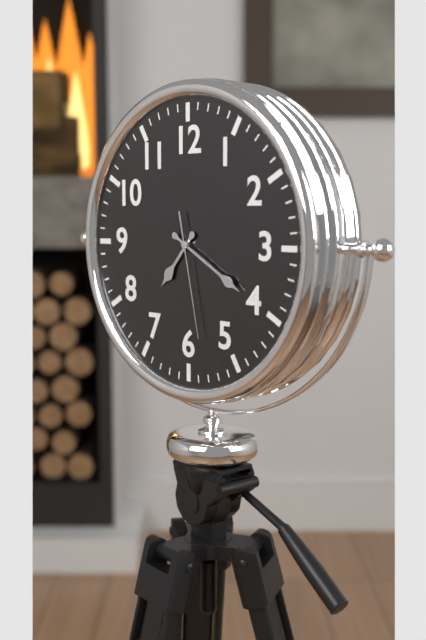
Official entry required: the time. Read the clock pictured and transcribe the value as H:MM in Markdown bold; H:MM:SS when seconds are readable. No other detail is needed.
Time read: **7:20:28**
